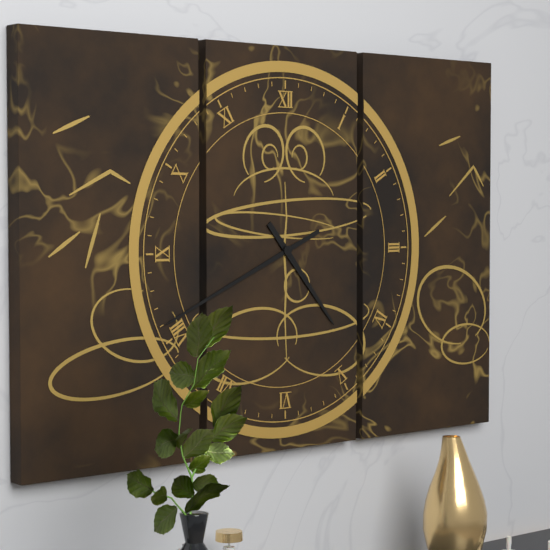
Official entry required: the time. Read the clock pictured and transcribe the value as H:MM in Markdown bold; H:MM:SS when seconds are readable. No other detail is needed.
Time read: **4:41**
